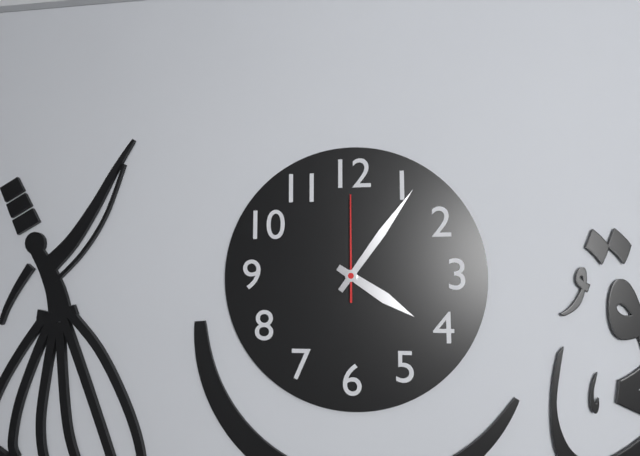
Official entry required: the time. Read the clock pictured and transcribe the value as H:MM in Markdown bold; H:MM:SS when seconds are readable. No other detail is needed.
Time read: **4:06:00**
